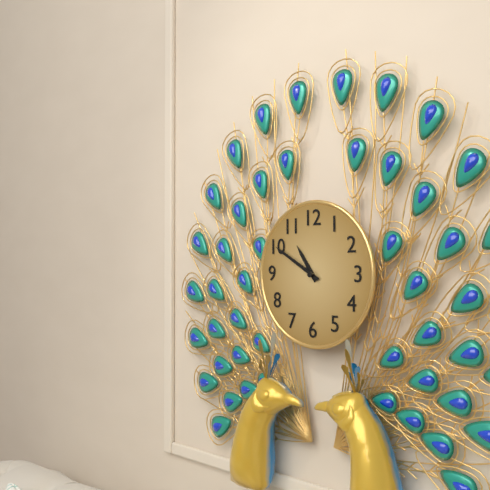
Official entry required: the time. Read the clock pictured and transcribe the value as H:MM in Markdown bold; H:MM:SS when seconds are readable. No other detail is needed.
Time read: **10:50**
